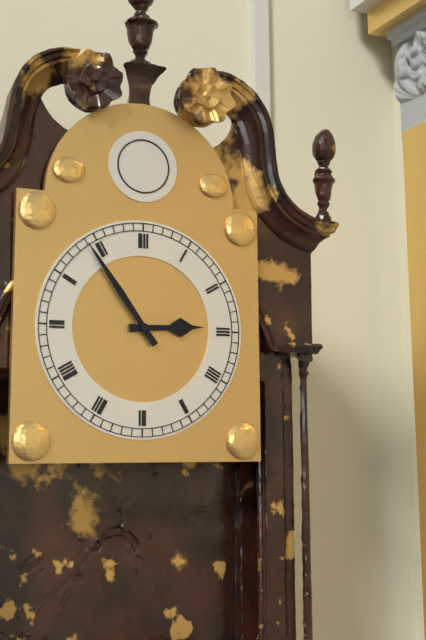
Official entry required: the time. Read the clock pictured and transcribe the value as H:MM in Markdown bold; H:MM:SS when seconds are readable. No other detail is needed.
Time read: **2:54**
